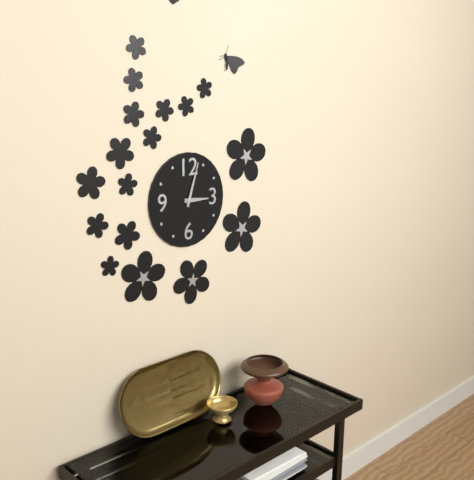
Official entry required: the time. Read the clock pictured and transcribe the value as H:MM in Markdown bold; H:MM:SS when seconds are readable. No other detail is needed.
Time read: **3:03**
